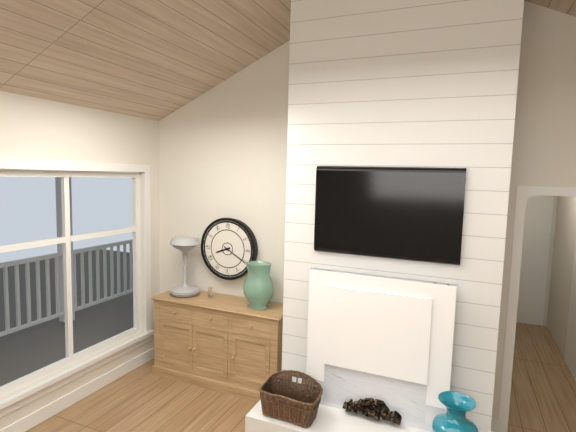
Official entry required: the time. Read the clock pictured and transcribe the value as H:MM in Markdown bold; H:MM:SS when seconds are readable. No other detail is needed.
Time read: **8:20**
